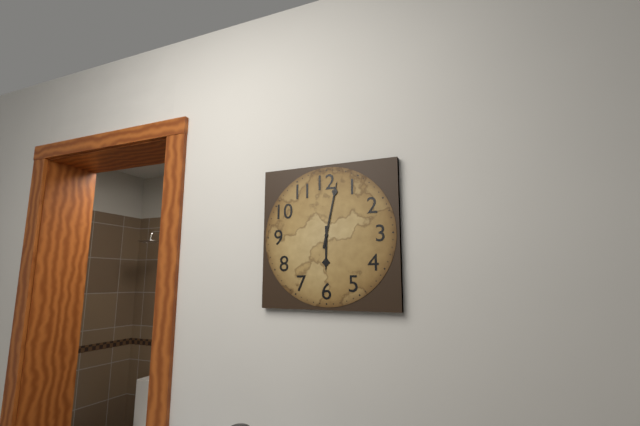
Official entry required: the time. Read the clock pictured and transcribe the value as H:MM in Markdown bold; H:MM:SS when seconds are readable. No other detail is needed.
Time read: **6:02**
